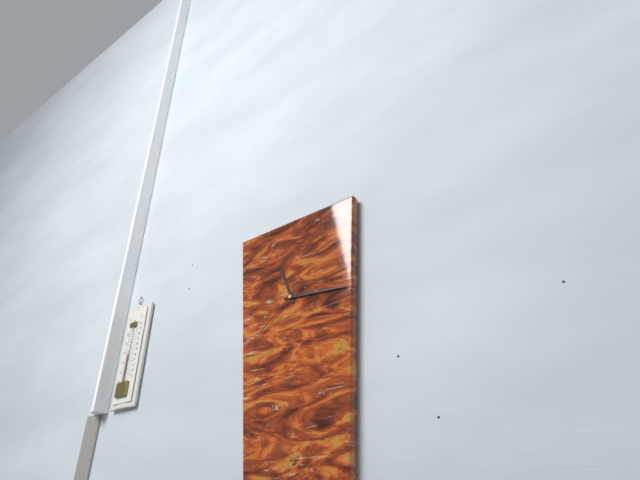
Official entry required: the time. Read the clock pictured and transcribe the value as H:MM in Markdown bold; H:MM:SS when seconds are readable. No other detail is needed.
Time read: **11:16:39**
